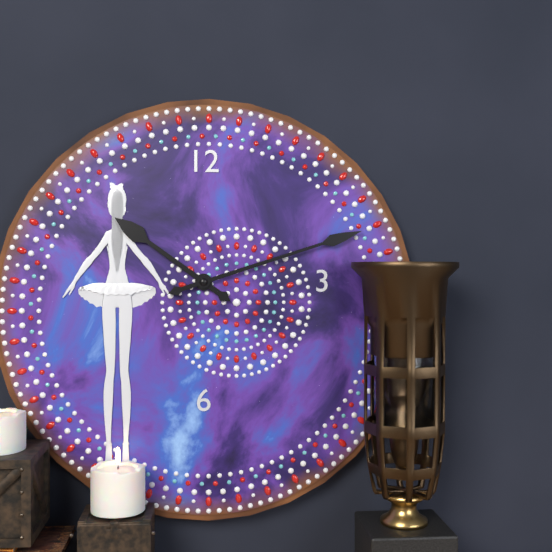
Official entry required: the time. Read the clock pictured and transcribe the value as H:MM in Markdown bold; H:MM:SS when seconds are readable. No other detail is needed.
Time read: **10:12**
